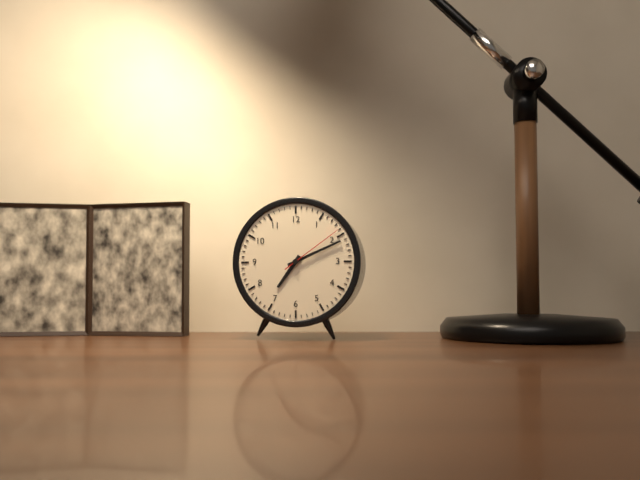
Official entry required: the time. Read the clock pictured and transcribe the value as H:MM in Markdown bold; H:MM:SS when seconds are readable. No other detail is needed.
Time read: **7:11:09**
